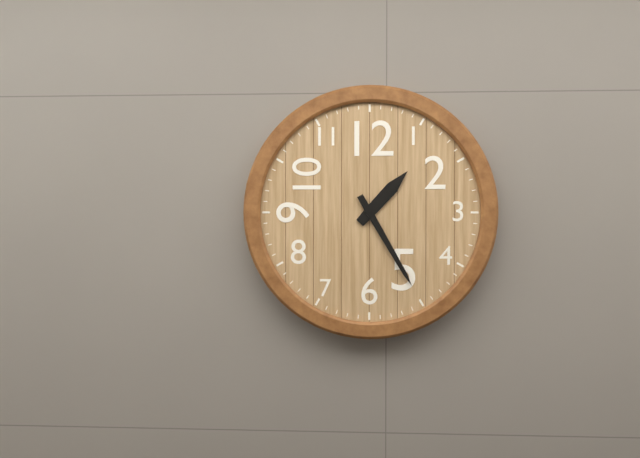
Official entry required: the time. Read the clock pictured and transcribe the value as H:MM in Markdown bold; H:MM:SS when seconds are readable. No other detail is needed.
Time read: **1:25**
